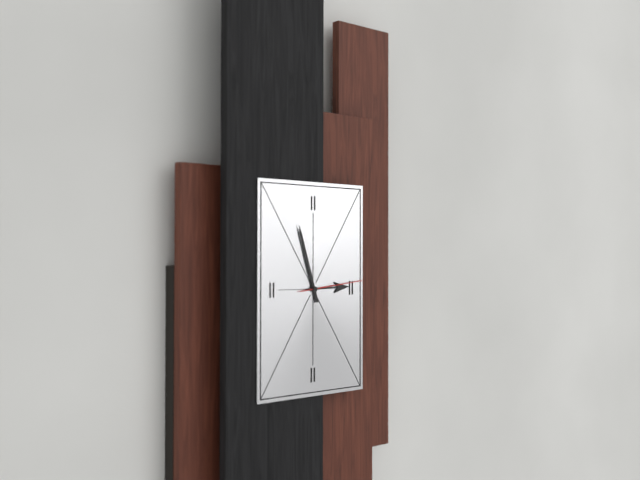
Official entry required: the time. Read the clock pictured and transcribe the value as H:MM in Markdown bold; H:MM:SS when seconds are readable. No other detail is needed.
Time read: **2:57:14**
